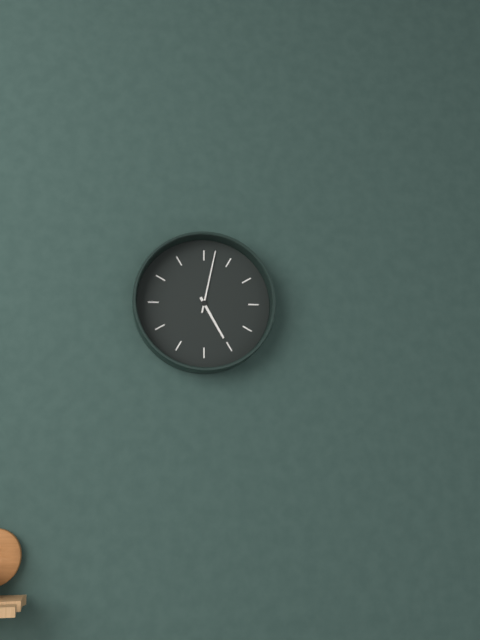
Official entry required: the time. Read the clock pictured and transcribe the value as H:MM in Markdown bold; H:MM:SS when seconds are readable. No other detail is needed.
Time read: **5:02**
